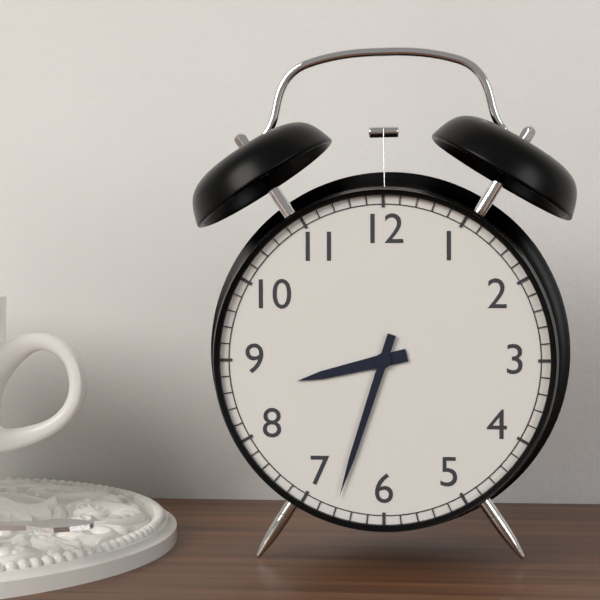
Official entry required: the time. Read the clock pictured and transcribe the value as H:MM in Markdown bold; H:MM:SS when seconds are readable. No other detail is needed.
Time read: **8:33**
